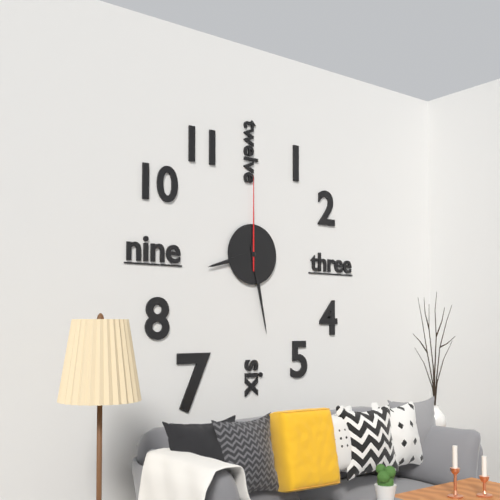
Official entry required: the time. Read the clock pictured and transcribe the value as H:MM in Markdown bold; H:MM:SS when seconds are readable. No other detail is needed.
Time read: **8:28:00**
